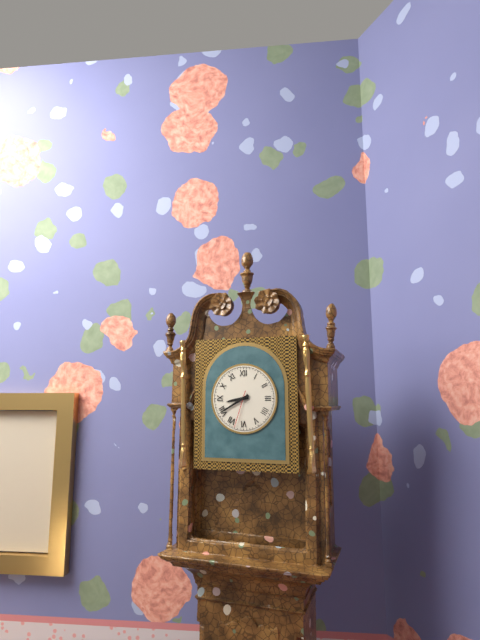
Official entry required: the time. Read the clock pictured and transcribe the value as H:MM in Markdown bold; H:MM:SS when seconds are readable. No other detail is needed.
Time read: **8:40**
